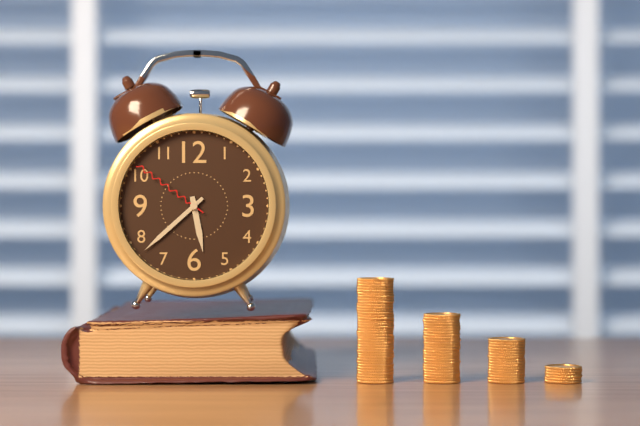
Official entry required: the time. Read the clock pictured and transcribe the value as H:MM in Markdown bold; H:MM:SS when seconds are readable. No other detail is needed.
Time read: **5:38:51**
